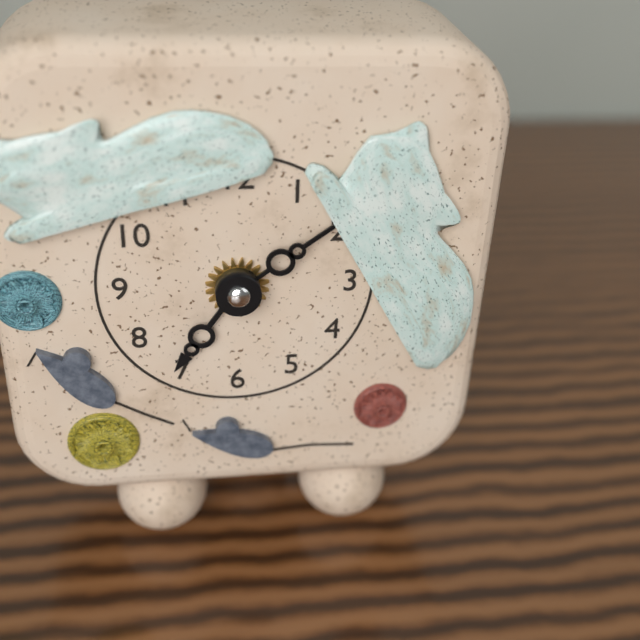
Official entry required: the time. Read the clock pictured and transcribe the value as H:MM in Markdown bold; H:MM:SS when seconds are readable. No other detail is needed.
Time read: **7:09**
